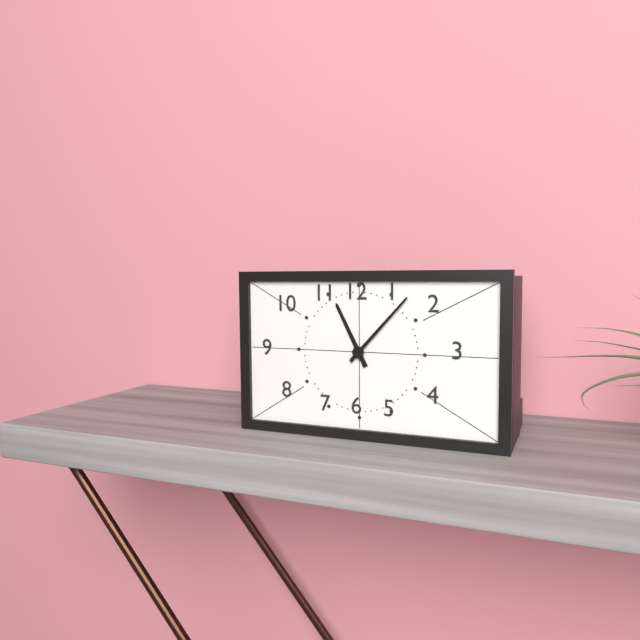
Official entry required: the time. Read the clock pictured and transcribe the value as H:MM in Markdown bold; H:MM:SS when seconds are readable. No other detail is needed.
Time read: **11:07**
